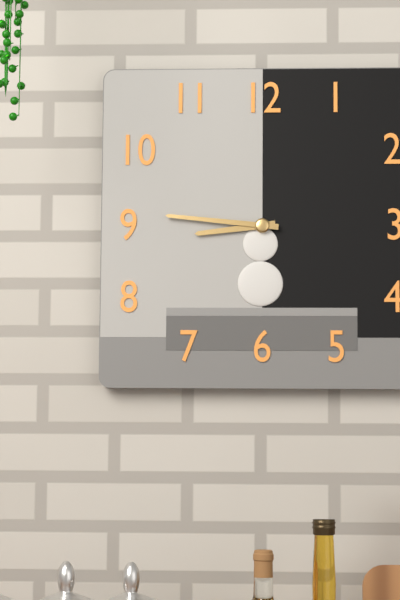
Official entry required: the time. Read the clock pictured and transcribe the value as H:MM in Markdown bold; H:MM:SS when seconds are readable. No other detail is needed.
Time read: **8:46**
